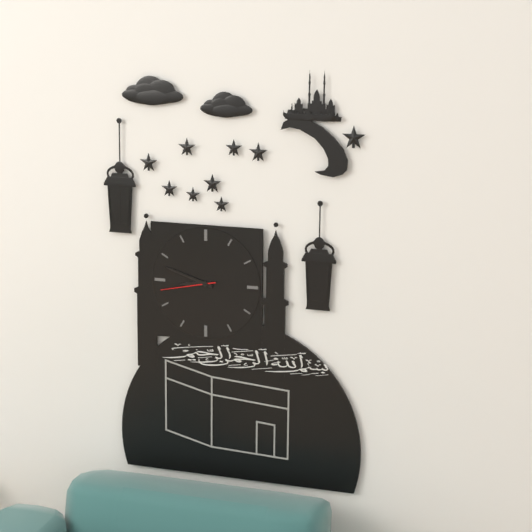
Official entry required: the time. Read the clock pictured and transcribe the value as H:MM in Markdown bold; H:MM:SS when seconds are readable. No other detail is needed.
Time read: **8:48:43**
